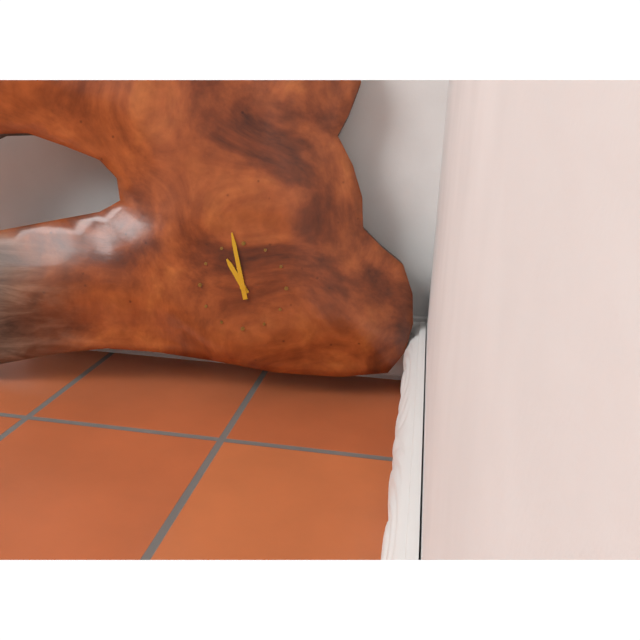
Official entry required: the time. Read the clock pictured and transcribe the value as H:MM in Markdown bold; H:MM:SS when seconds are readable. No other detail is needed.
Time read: **10:58**
